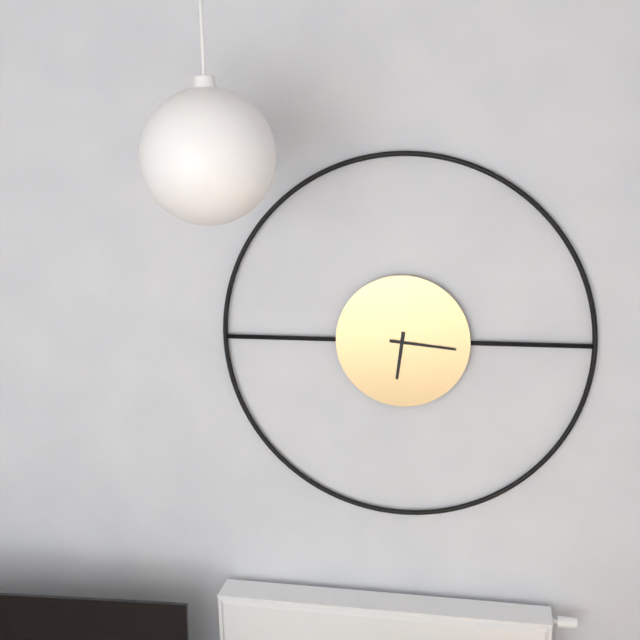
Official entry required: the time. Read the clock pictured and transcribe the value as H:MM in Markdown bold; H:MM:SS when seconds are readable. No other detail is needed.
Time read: **6:16**
